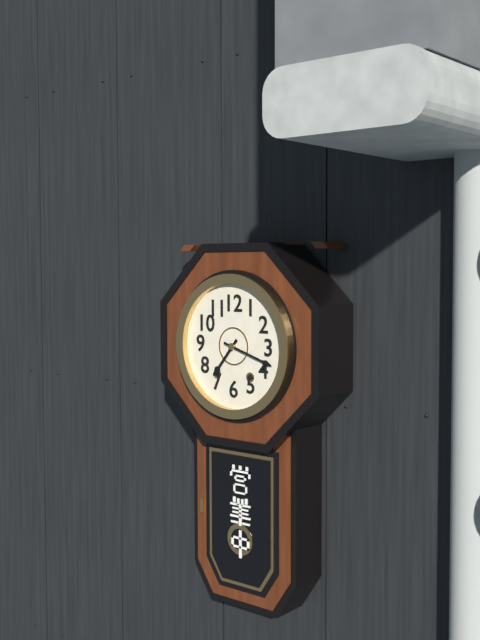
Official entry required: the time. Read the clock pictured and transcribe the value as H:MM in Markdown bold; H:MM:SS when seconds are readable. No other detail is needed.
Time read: **7:18**
